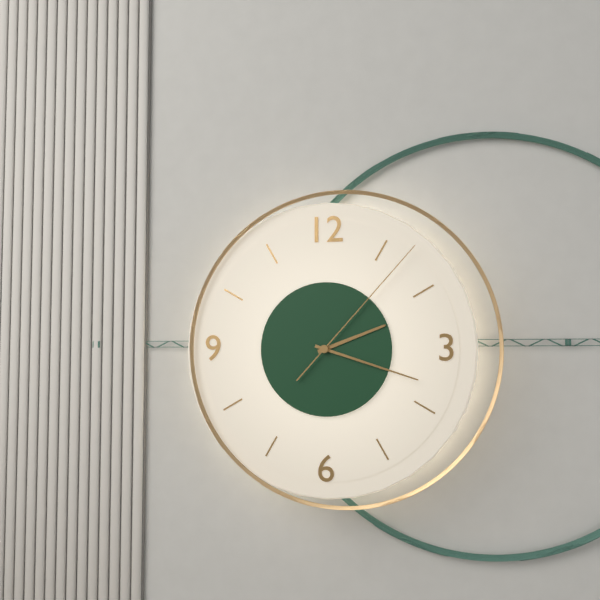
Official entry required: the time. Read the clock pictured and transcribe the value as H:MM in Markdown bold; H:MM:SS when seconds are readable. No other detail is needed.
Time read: **2:18:07**
